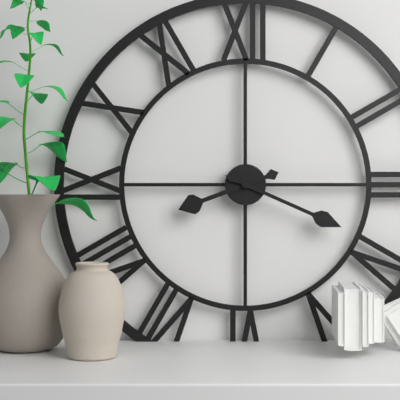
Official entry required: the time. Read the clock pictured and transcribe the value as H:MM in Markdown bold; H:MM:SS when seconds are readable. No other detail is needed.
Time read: **8:19**
